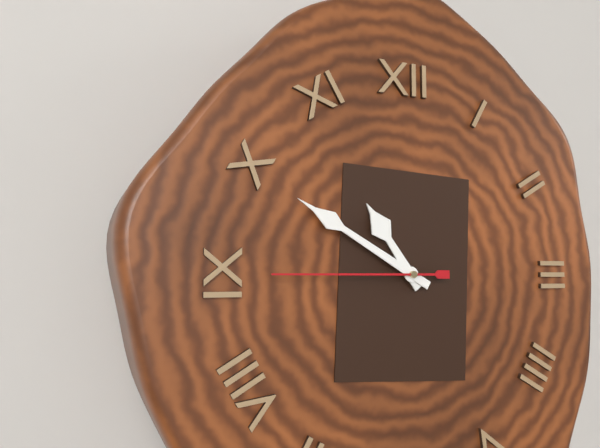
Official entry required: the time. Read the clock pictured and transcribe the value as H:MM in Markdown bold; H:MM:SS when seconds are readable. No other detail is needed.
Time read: **10:50:45**
